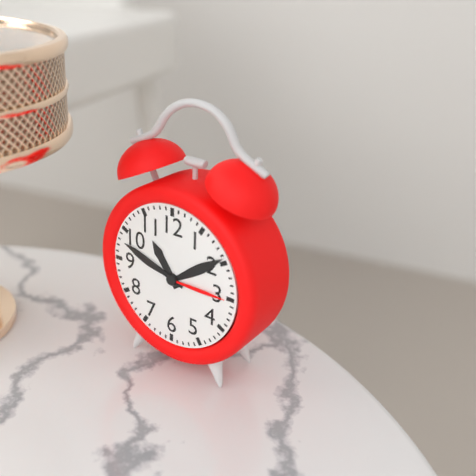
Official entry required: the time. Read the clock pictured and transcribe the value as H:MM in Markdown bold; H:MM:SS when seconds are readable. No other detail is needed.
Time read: **10:48**
